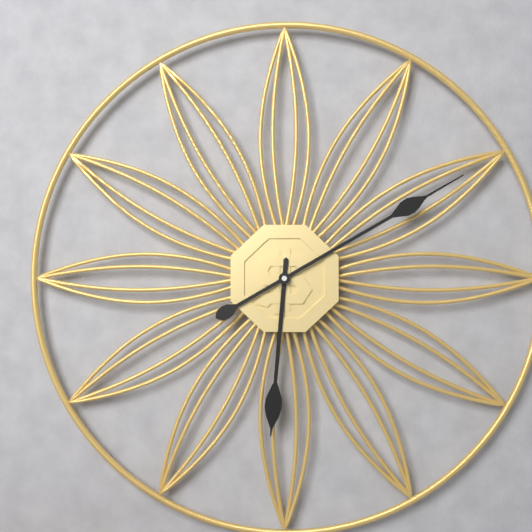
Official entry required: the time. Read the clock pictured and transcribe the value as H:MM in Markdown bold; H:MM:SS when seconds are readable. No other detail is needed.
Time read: **6:10**
